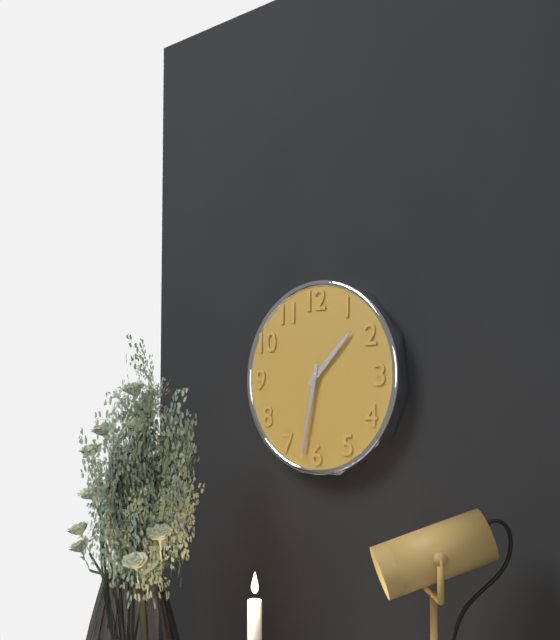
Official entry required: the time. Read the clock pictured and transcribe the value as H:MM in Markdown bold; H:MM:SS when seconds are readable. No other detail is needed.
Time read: **1:32**
